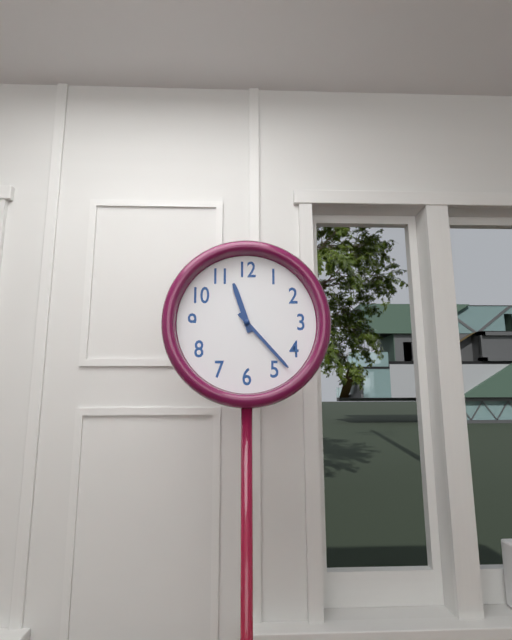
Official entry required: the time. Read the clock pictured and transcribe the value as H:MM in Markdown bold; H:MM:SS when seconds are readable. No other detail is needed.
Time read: **11:23**
